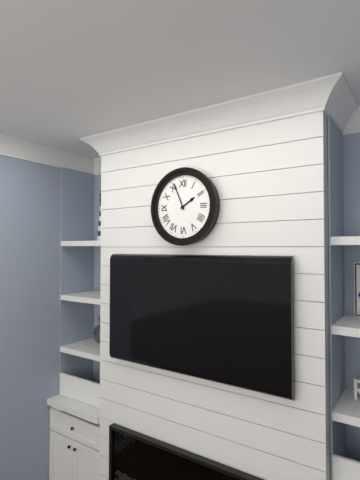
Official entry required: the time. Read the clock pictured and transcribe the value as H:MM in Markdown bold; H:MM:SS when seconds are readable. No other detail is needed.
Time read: **1:56**
